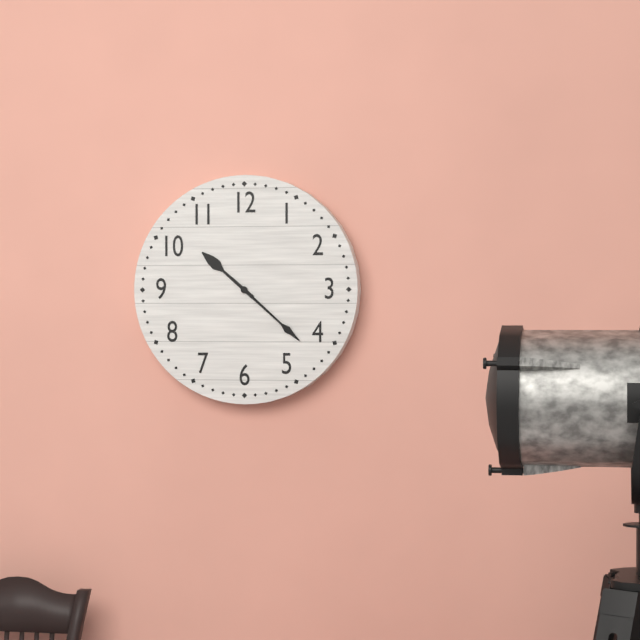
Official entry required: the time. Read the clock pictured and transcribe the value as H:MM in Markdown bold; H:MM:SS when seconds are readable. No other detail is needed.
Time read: **10:22**
